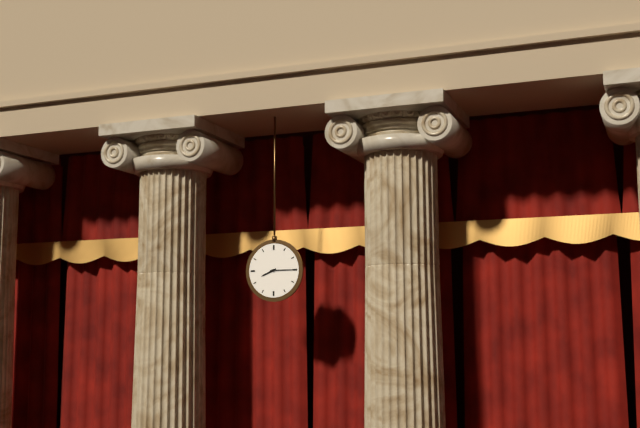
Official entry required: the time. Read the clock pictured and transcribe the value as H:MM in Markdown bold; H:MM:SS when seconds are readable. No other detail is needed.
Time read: **8:15**
